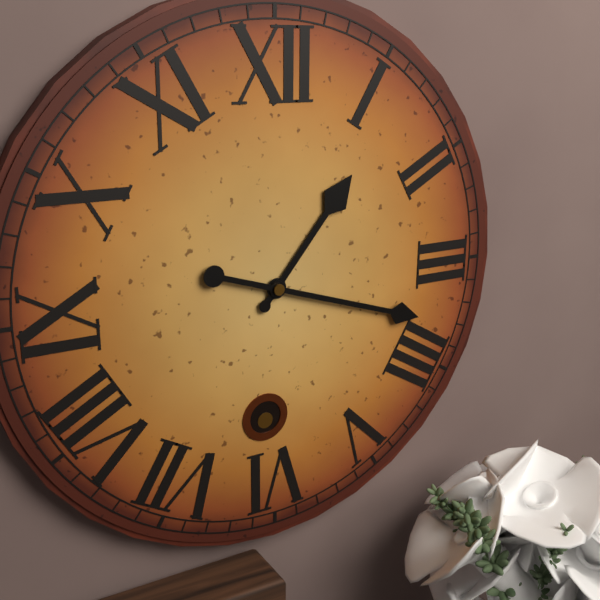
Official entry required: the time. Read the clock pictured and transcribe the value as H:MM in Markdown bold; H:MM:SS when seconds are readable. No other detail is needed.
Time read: **1:18**
